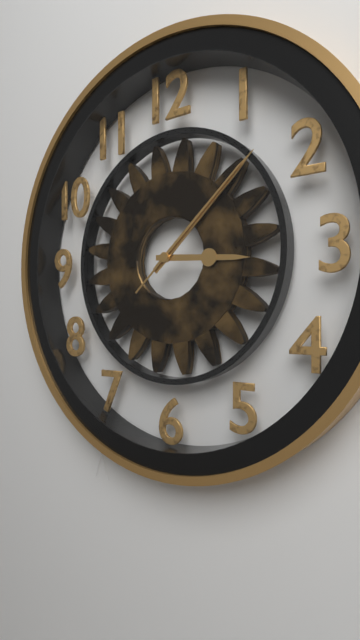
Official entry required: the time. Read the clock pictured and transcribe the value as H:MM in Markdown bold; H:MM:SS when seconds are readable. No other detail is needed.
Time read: **3:08:08**
